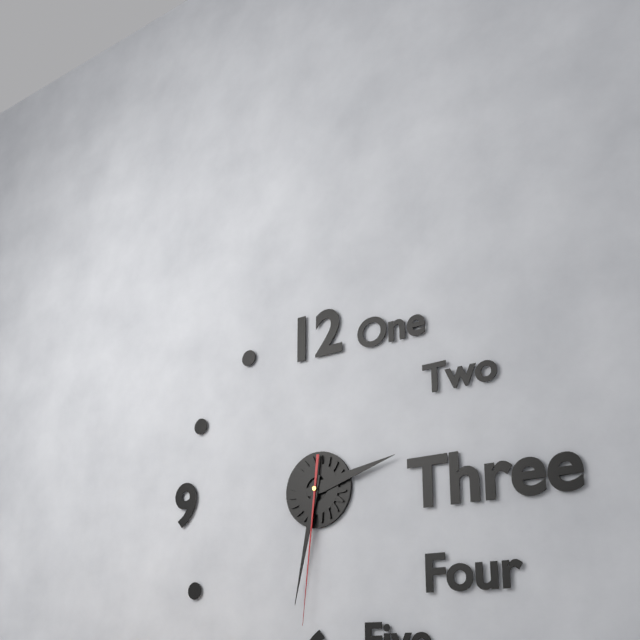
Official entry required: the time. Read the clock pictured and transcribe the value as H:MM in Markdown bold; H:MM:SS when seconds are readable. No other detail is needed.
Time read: **2:32:31**
